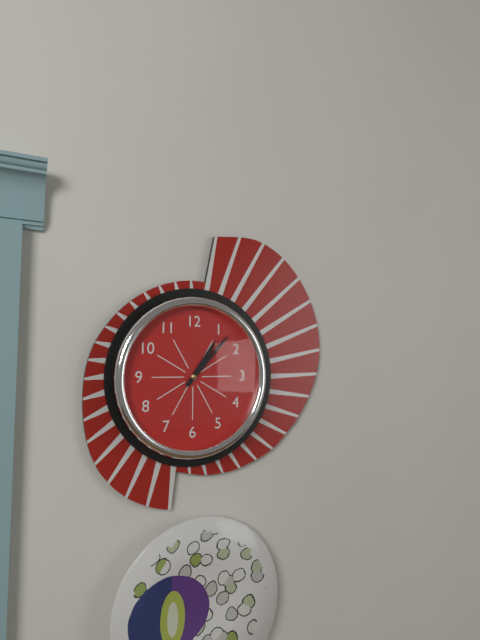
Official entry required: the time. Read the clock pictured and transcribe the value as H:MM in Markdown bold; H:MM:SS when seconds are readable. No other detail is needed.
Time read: **1:07**
